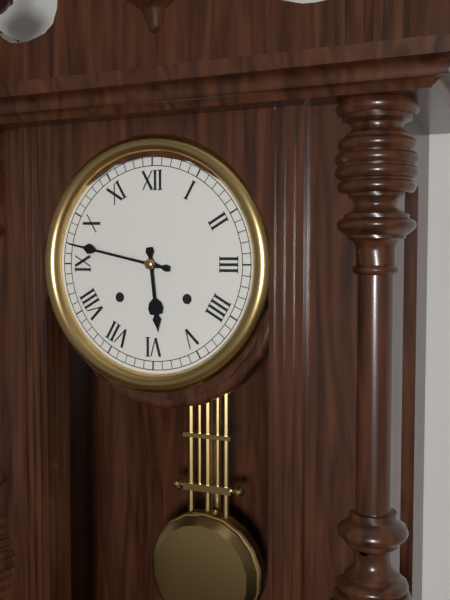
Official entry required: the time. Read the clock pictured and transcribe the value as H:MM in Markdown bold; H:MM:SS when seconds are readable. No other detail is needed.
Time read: **5:47**
